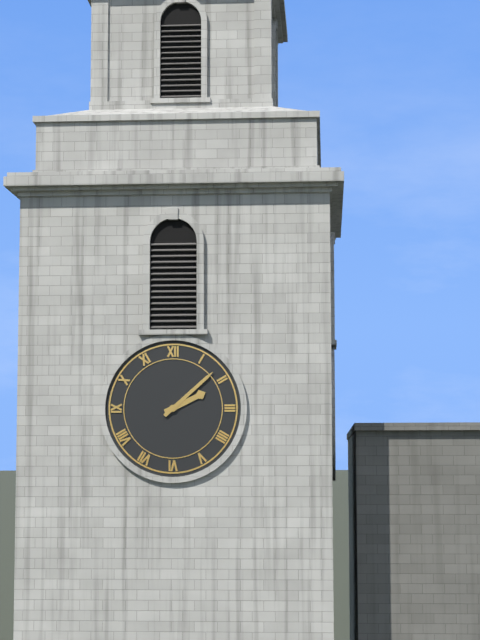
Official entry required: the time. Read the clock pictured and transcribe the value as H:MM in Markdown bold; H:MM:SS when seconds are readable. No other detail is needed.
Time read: **2:08**
